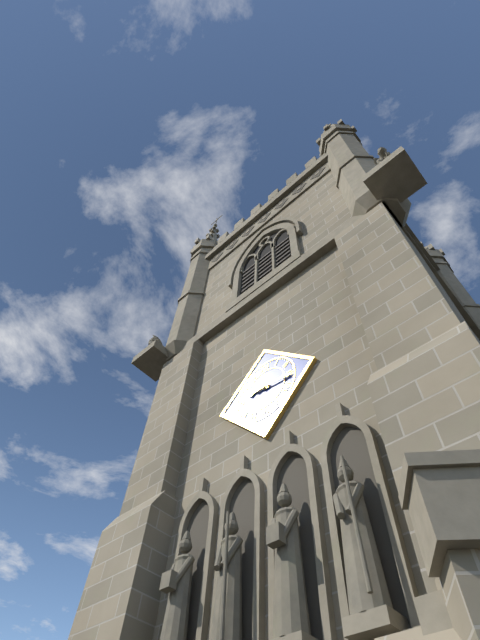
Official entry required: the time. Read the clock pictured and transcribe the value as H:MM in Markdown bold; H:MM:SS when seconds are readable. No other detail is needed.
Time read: **9:16**
